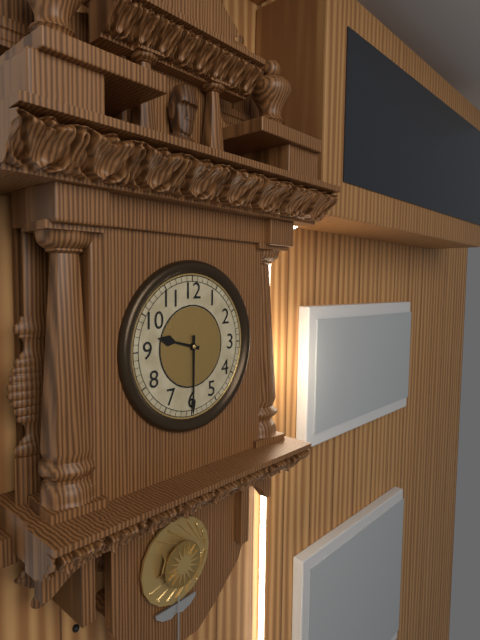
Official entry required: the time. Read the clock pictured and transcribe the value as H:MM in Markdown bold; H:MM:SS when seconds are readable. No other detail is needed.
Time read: **9:30**
